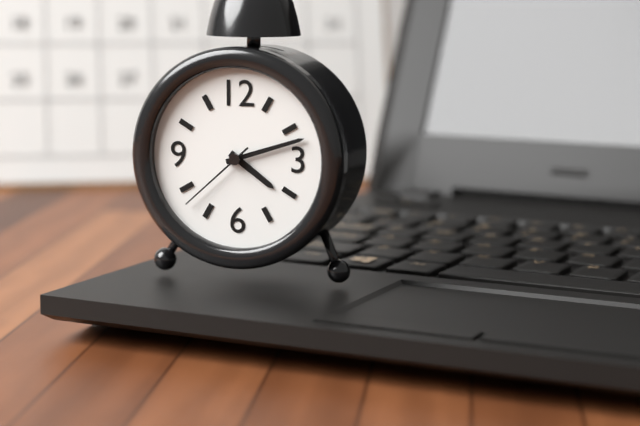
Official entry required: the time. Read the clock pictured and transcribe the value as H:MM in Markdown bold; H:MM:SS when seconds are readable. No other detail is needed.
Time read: **4:12:38**
